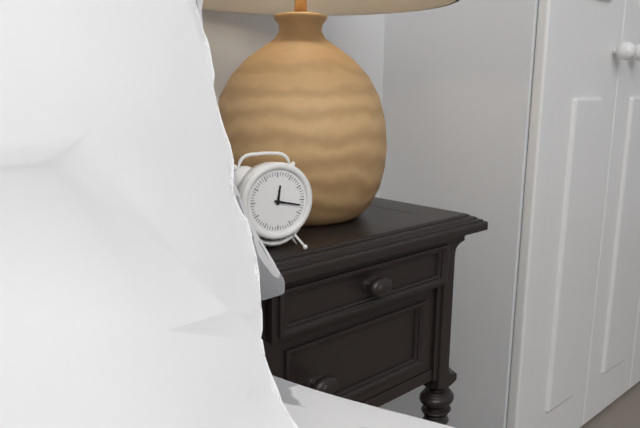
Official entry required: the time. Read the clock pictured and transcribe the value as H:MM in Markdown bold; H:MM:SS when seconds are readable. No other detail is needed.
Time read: **12:17**
